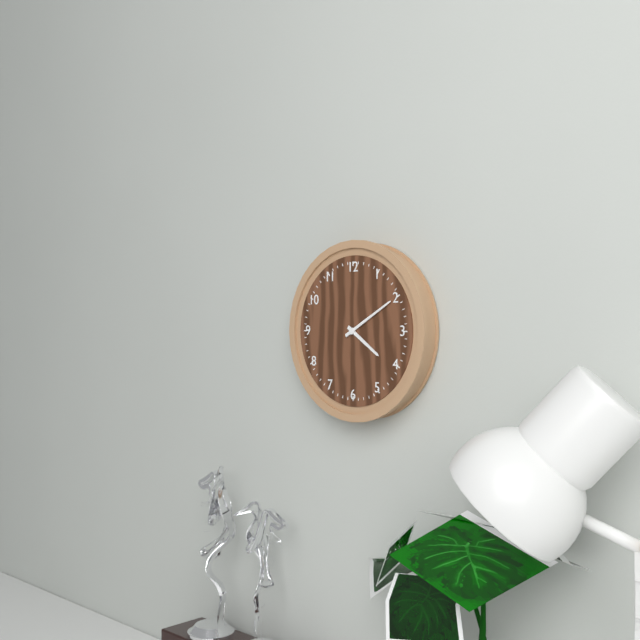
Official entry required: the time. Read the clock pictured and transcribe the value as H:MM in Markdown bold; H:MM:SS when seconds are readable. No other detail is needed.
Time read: **4:10**
